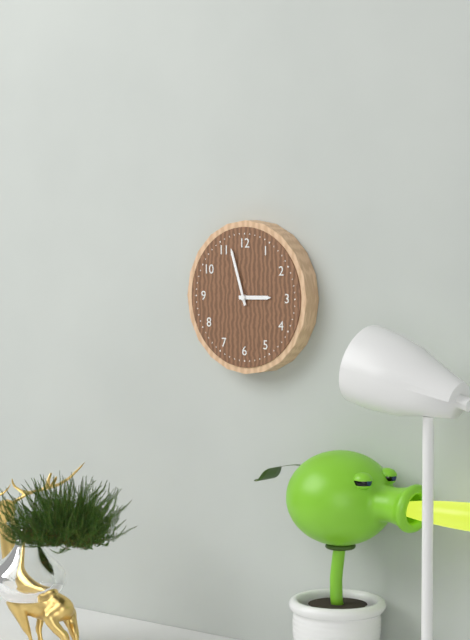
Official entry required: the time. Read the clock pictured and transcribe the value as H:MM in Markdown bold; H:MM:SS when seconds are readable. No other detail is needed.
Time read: **2:57**
